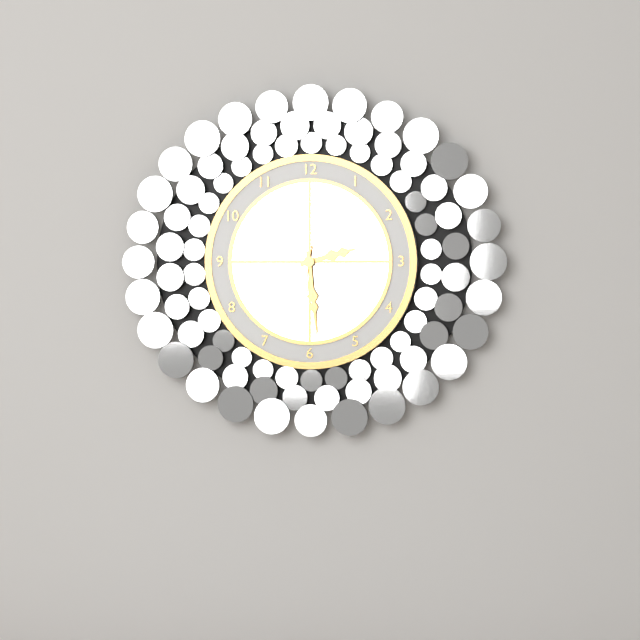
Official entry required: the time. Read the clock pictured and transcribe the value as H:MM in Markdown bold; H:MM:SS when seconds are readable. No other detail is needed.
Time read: **2:29:31**
